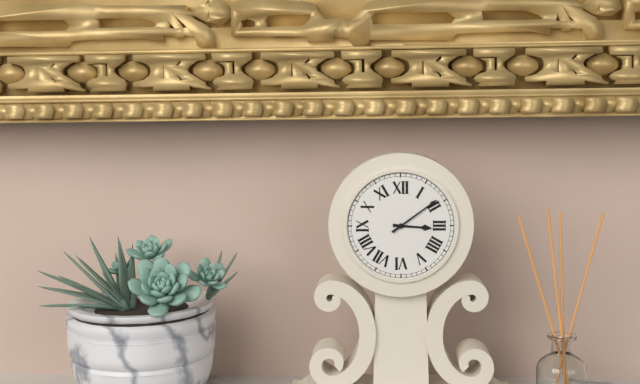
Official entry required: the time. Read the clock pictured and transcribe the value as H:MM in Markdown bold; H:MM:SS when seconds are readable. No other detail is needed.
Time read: **3:09**
